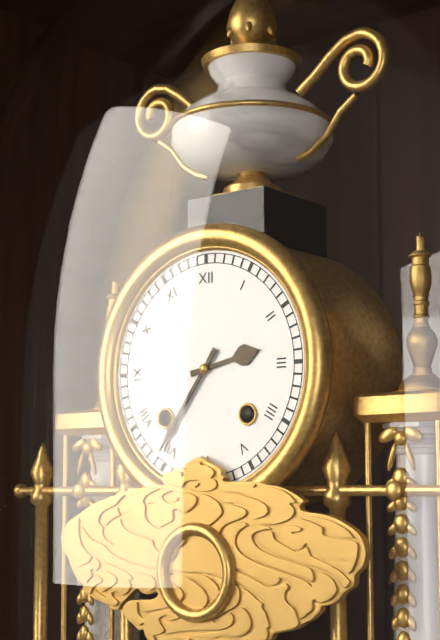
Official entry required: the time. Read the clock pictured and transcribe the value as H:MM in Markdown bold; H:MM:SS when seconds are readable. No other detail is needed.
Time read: **2:36**
